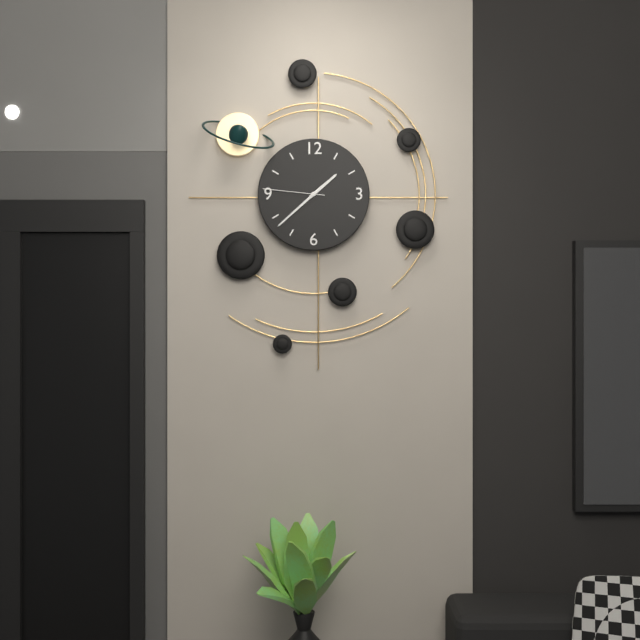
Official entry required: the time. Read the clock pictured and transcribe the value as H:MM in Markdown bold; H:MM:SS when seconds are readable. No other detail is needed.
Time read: **1:38:46**
